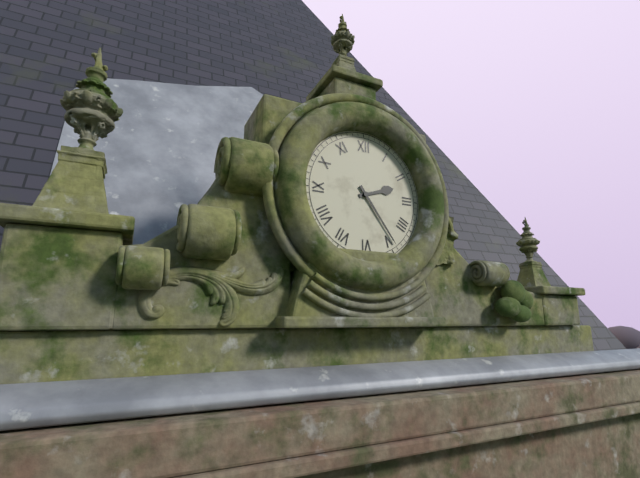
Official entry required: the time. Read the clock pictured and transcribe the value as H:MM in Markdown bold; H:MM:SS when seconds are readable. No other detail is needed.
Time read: **2:24**
